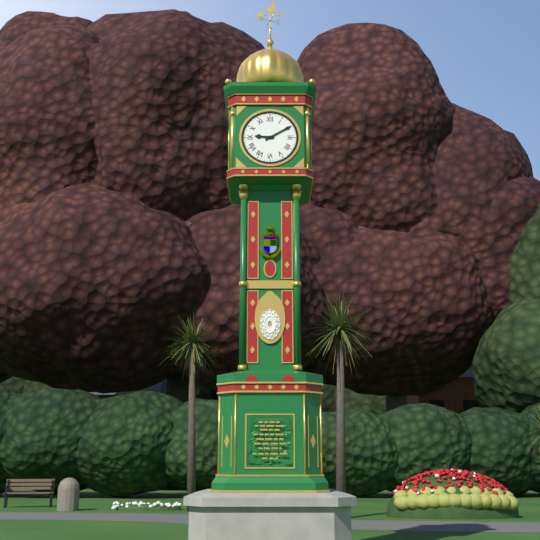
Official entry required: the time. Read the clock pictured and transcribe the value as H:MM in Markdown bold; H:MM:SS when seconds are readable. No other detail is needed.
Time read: **9:10**
